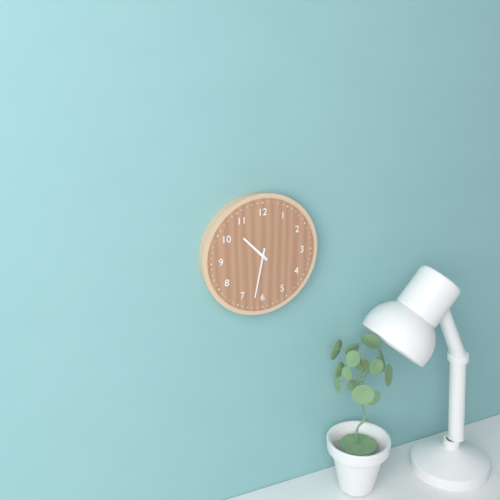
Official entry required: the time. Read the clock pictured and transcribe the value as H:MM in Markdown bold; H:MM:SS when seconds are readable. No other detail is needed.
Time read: **10:32**
